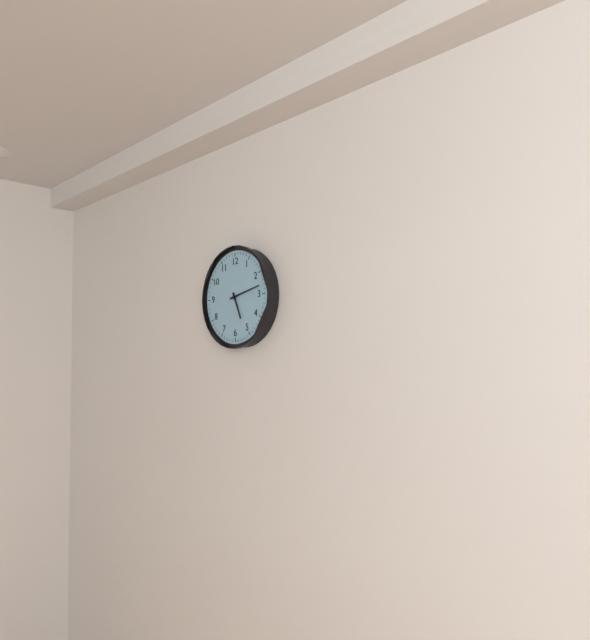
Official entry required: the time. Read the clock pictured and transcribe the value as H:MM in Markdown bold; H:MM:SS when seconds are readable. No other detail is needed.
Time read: **5:13**
